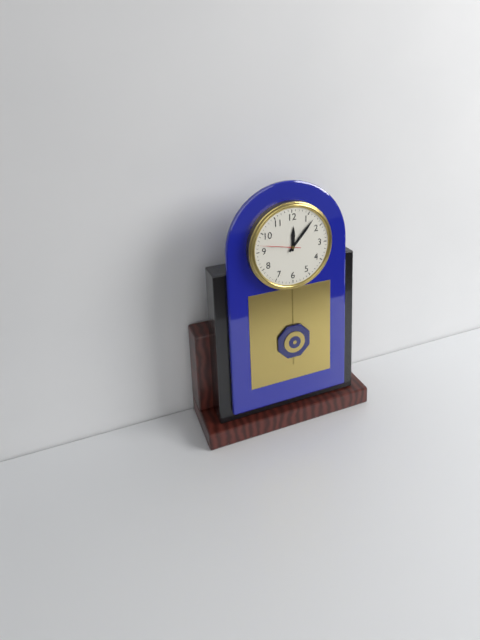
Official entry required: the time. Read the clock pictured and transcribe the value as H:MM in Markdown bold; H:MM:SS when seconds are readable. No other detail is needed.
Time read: **12:07**
